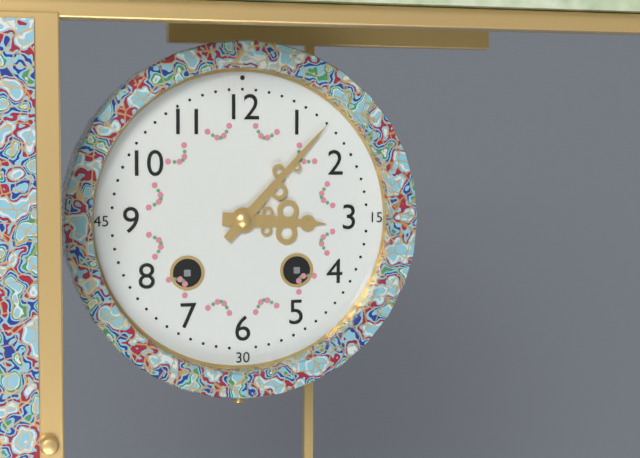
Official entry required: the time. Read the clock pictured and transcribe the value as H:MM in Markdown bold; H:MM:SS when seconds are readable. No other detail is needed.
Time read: **3:07**
